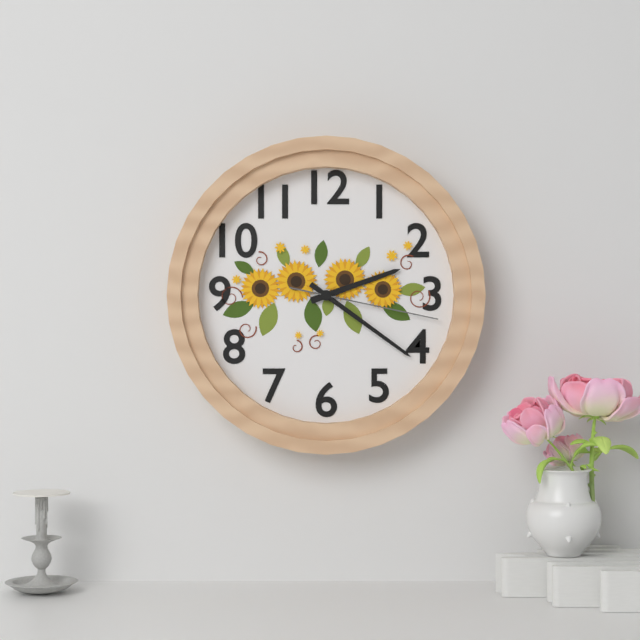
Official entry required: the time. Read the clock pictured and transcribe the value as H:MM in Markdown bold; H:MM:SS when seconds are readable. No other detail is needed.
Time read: **2:21:17**
